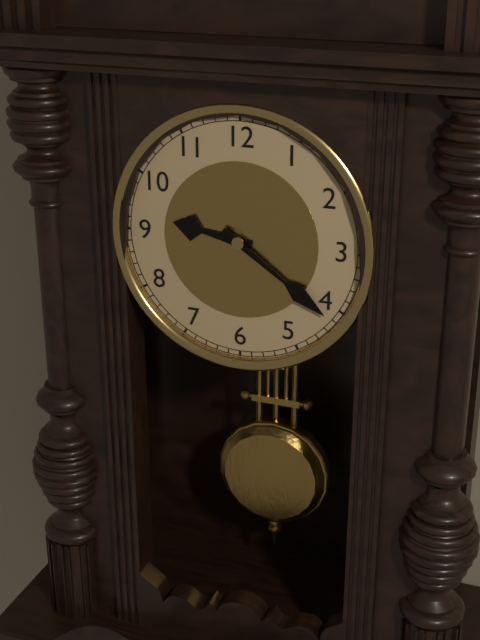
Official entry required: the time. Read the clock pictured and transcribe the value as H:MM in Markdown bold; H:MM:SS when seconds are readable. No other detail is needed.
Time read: **9:21**
